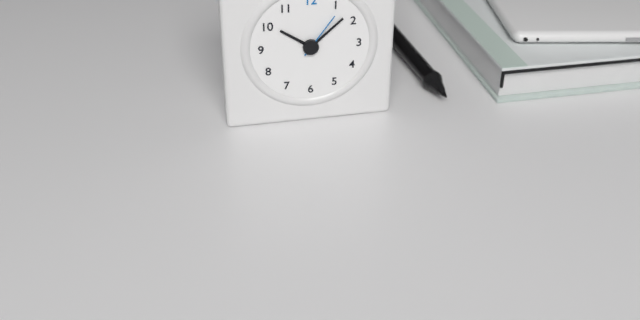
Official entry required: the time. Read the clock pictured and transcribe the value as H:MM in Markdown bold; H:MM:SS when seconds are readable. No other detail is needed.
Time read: **10:08**
